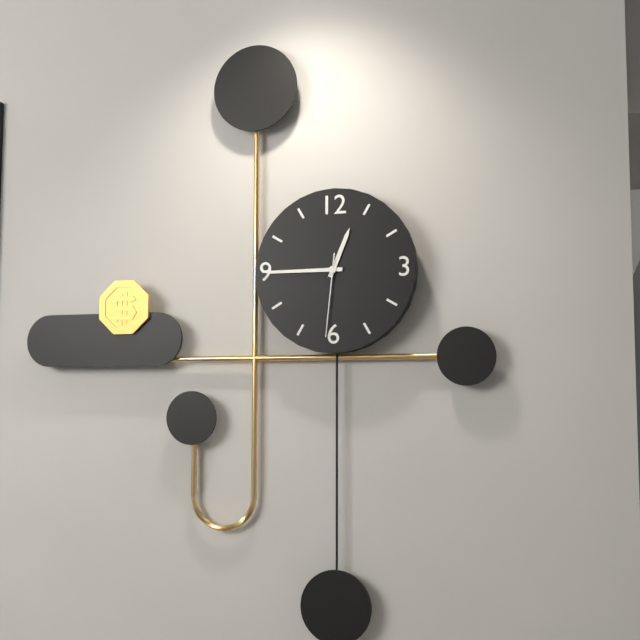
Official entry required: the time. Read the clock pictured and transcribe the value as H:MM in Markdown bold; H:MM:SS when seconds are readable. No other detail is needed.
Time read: **12:45:31**
